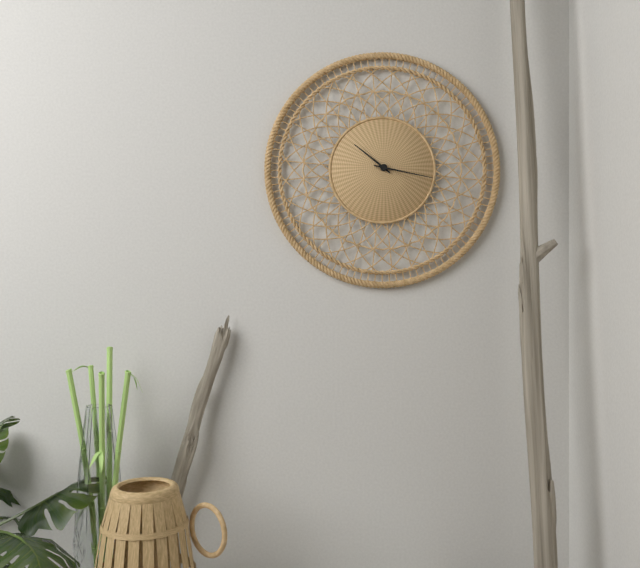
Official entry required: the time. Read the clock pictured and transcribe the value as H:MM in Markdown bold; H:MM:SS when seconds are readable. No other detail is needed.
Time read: **10:17**
